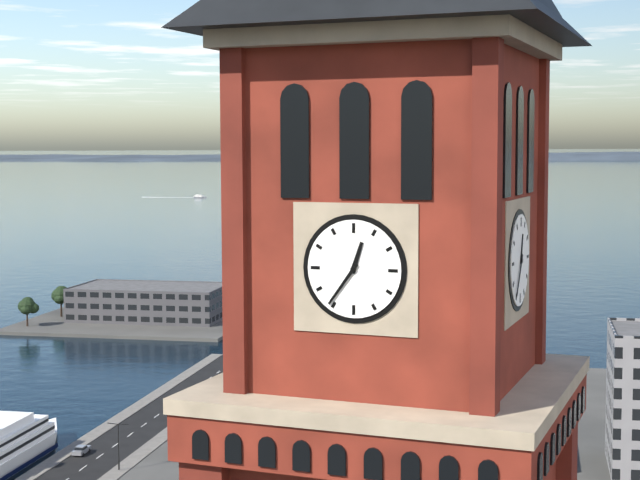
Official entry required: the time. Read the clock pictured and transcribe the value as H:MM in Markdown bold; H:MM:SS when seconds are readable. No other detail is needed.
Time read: **12:36**
